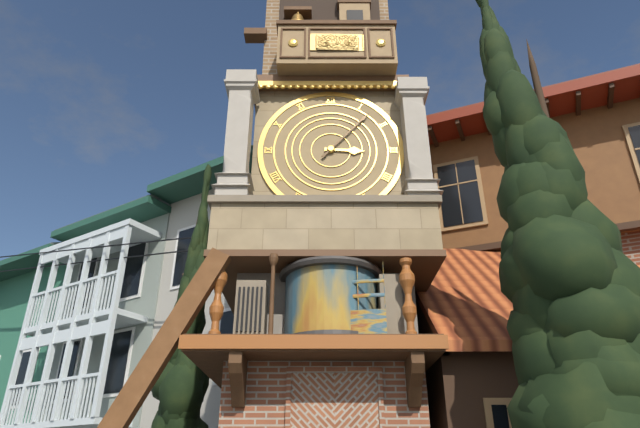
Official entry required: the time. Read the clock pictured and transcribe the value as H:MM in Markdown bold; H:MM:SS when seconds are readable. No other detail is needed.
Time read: **3:07**
